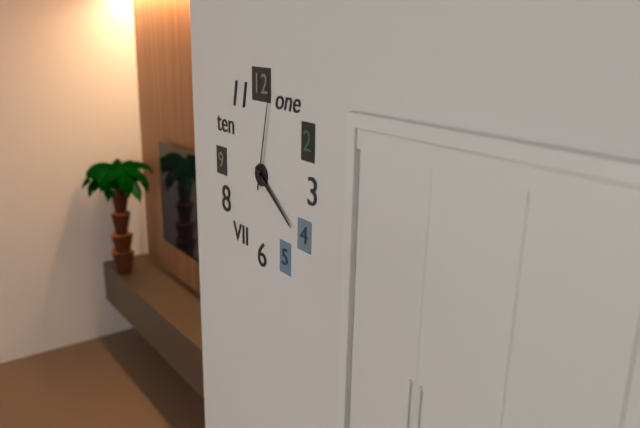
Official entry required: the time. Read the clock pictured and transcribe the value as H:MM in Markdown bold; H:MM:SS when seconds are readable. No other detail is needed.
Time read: **4:21:02**
